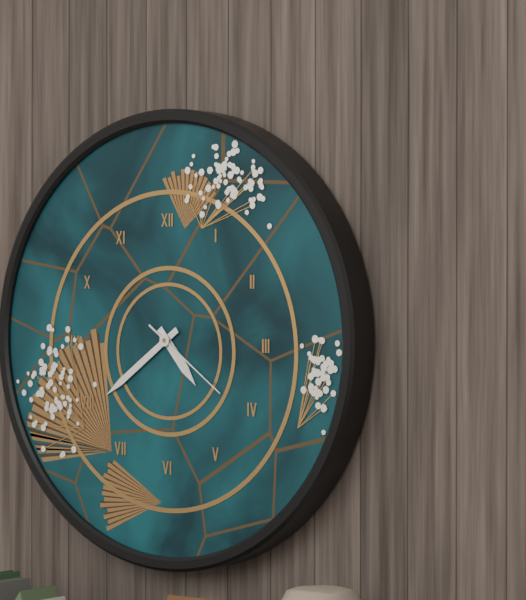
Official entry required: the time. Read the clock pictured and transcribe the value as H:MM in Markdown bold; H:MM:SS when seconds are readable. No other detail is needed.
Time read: **4:39:21**
